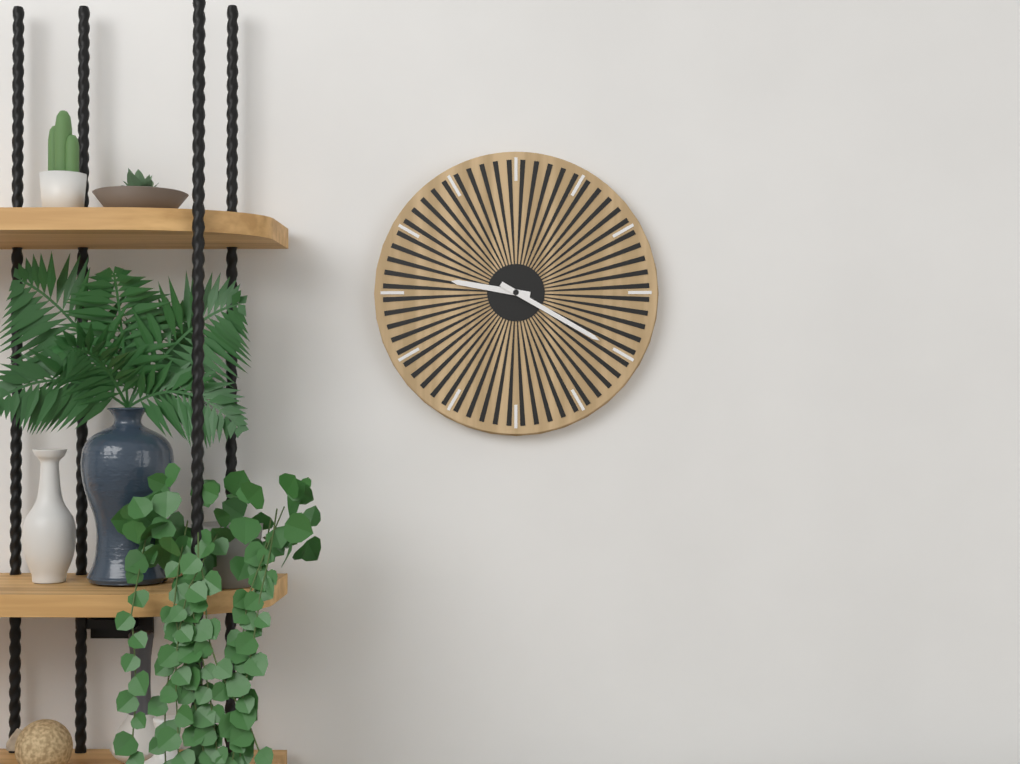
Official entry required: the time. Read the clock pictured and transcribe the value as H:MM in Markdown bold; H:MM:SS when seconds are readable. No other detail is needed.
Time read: **9:20**
